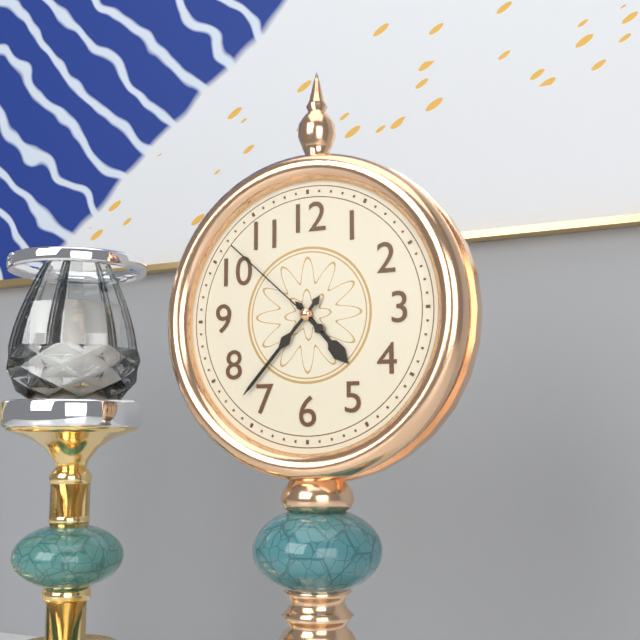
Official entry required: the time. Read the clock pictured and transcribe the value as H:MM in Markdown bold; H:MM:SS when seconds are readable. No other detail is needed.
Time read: **4:37:52**
